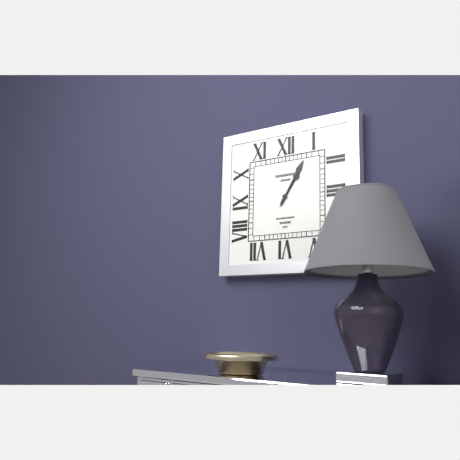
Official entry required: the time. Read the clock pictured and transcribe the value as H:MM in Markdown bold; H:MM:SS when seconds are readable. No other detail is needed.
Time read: **1:05**
